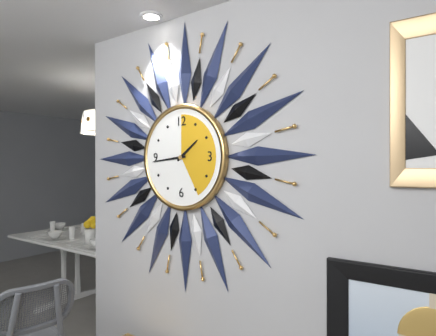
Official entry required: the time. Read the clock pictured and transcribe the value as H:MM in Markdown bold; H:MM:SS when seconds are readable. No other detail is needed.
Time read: **1:44**
